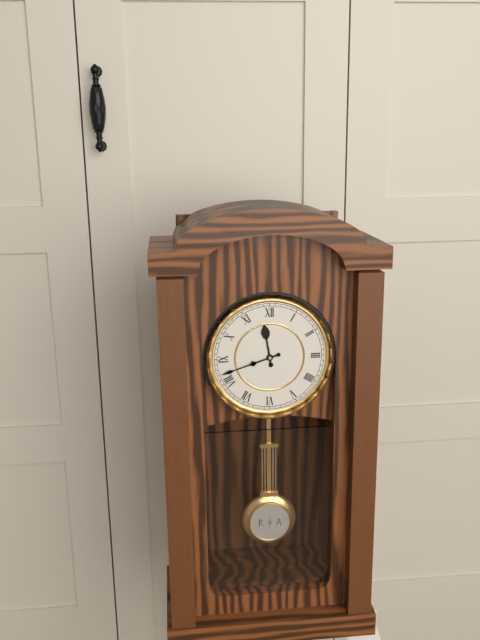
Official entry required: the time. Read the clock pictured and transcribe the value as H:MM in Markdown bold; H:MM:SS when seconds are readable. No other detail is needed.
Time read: **11:42**
